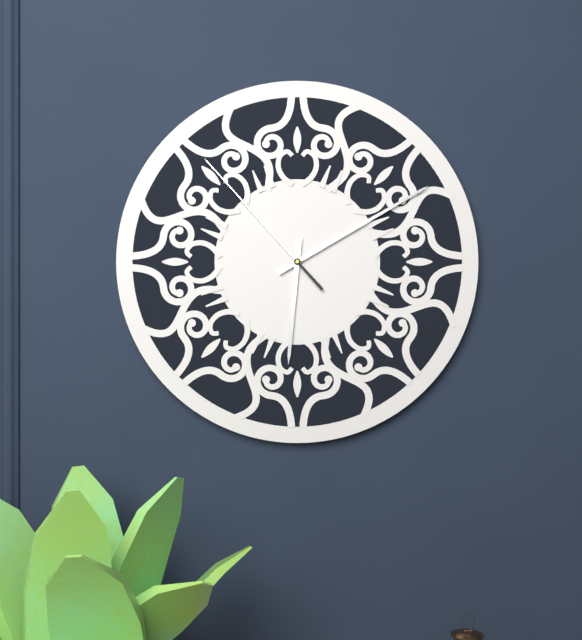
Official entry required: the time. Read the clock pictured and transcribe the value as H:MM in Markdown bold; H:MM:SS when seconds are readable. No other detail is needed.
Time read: **6:10:53**
